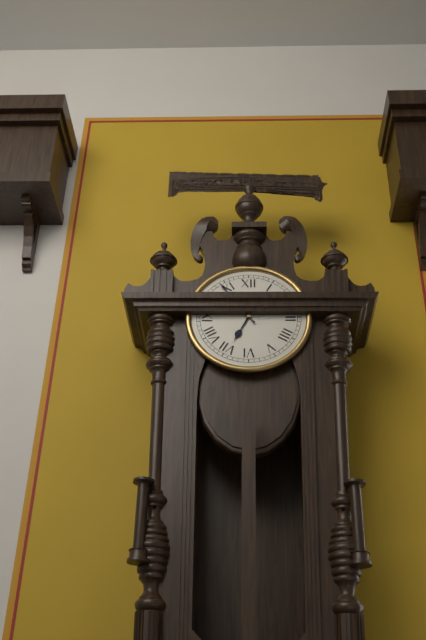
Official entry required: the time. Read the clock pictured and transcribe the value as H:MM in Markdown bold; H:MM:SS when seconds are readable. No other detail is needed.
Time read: **6:54**
